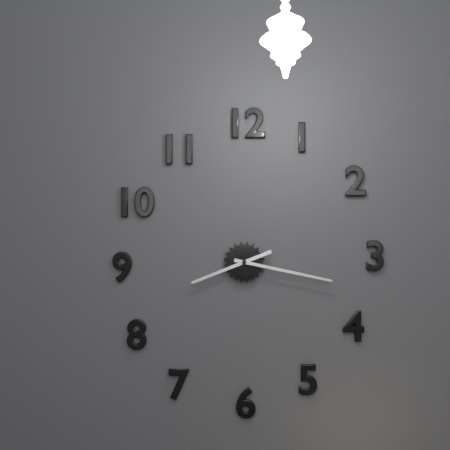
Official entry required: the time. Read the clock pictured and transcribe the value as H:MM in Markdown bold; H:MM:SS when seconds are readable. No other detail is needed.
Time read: **8:17**
